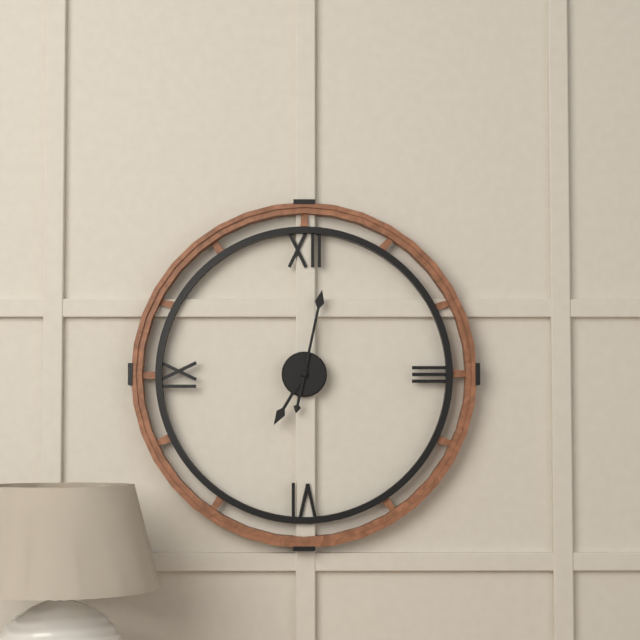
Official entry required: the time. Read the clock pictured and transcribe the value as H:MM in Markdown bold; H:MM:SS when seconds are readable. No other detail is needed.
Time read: **7:02**
